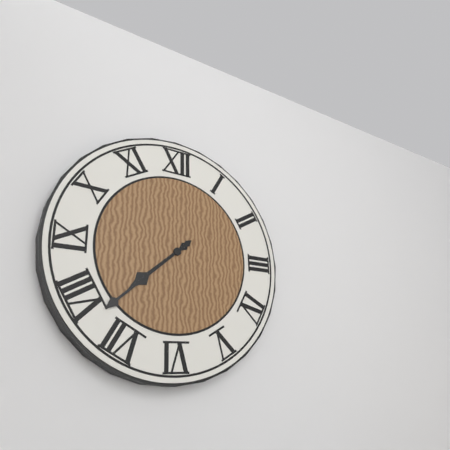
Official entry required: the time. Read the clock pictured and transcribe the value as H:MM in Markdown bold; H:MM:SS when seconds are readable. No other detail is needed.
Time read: **7:38**
